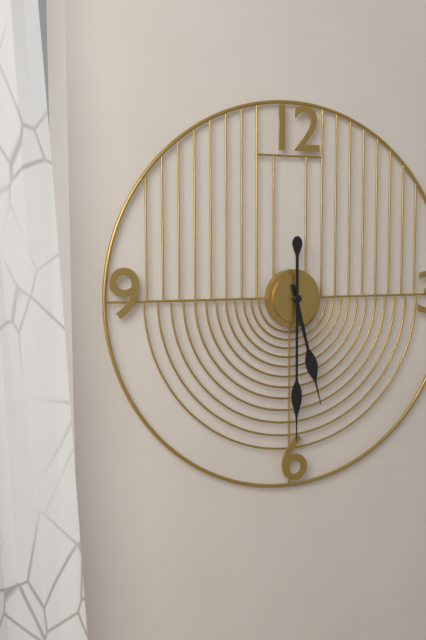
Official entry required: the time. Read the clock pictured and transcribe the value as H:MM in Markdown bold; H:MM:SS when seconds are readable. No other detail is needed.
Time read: **5:30**
